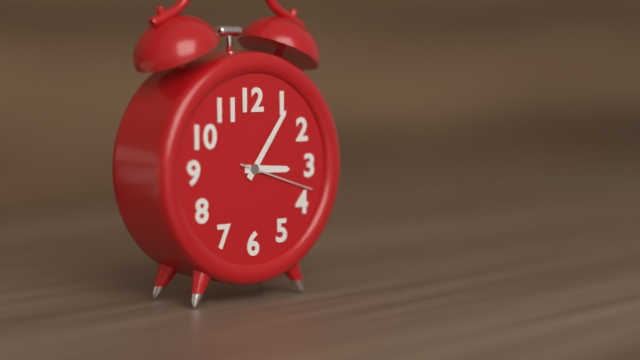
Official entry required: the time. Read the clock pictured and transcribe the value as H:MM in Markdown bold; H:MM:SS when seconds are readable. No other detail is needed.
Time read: **3:06:18**
